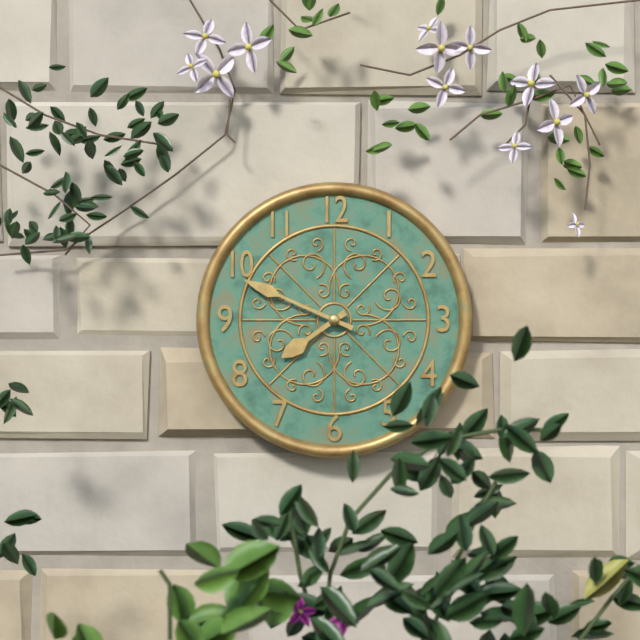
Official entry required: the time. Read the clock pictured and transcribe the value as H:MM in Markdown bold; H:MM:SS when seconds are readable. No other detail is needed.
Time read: **7:49**
